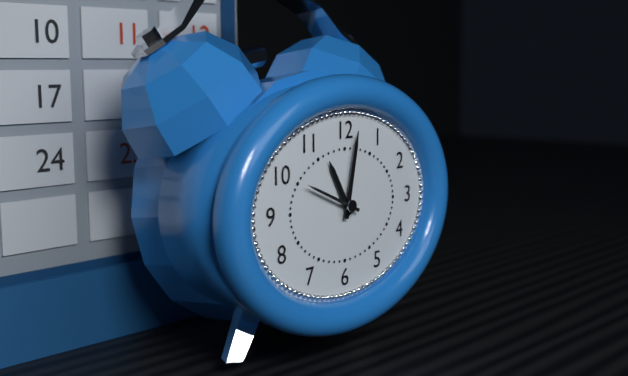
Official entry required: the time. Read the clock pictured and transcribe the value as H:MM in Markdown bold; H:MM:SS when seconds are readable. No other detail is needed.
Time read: **11:02:49**
